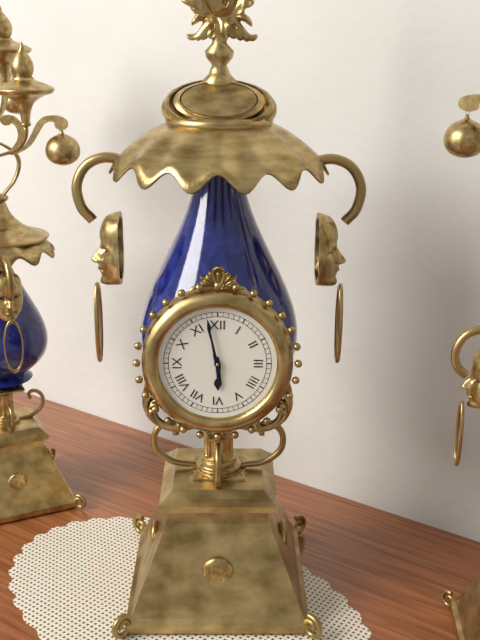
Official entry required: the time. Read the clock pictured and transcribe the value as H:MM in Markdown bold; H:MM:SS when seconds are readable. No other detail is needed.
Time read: **5:58**
